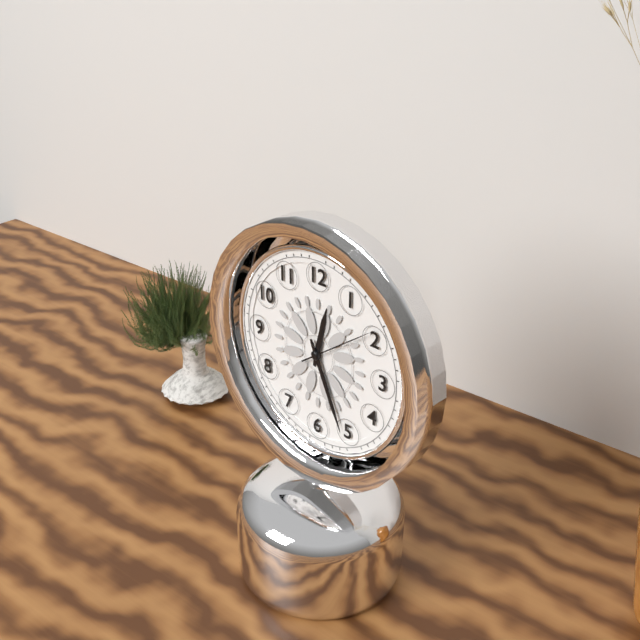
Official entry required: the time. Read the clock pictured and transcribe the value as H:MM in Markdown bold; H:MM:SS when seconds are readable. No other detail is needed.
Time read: **12:26:09**
